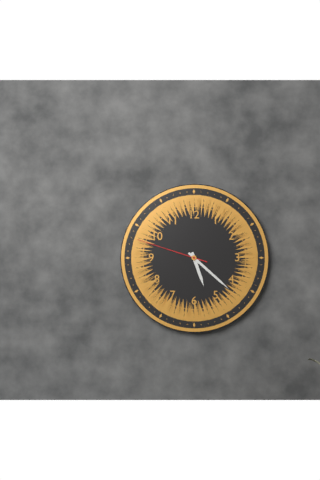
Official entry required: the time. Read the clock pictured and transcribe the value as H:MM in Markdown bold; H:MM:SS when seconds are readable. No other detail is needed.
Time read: **5:22:48**
